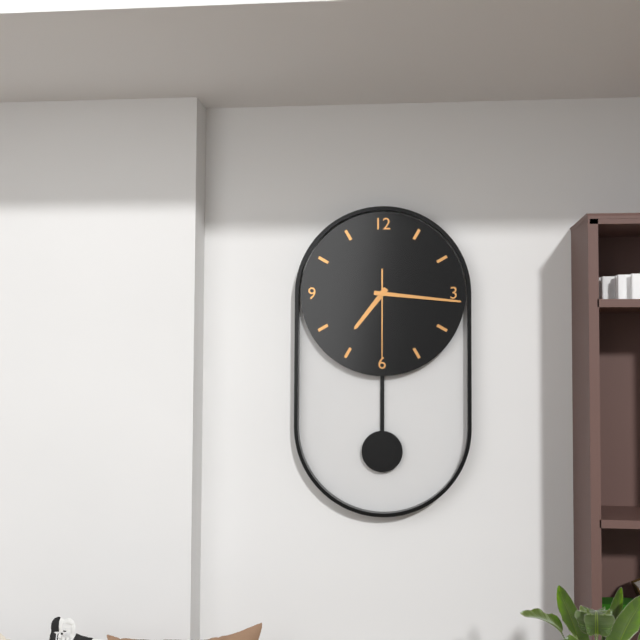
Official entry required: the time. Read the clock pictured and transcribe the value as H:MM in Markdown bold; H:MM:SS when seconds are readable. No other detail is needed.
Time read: **7:16:30**
